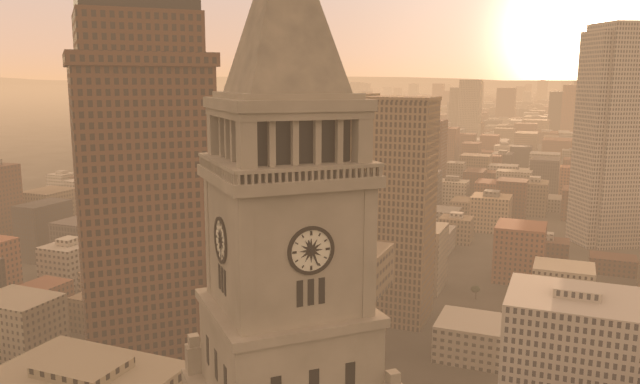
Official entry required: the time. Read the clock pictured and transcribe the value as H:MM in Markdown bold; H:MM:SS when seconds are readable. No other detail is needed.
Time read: **11:26**
